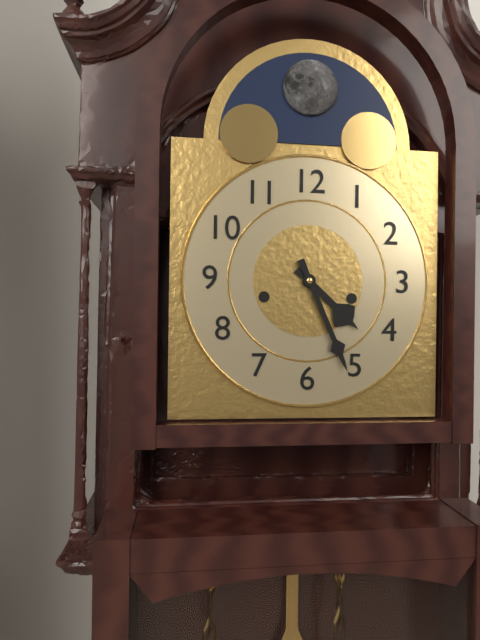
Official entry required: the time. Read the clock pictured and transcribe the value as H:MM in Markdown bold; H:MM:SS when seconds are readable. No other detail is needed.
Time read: **4:26**
